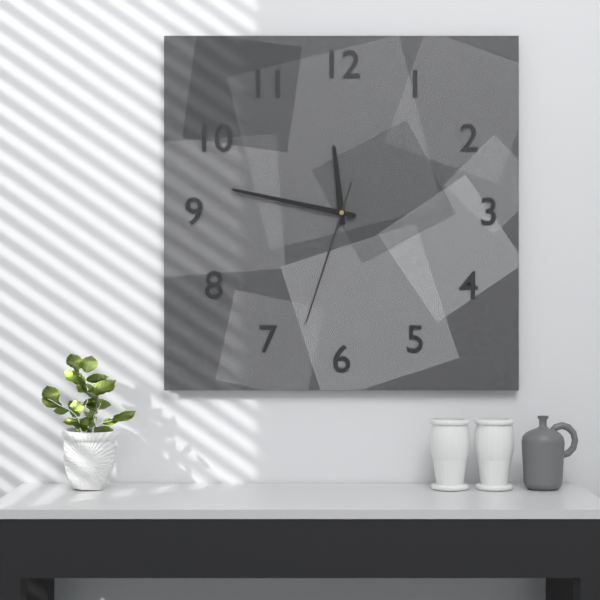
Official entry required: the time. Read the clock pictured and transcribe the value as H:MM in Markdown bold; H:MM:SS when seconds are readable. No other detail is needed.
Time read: **11:47:33**
